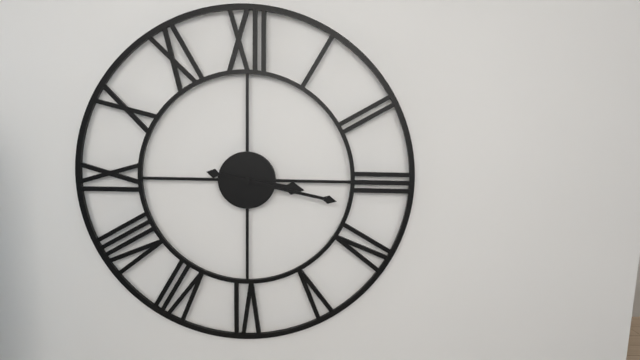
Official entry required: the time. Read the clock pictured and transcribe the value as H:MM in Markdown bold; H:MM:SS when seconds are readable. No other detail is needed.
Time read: **3:17**
